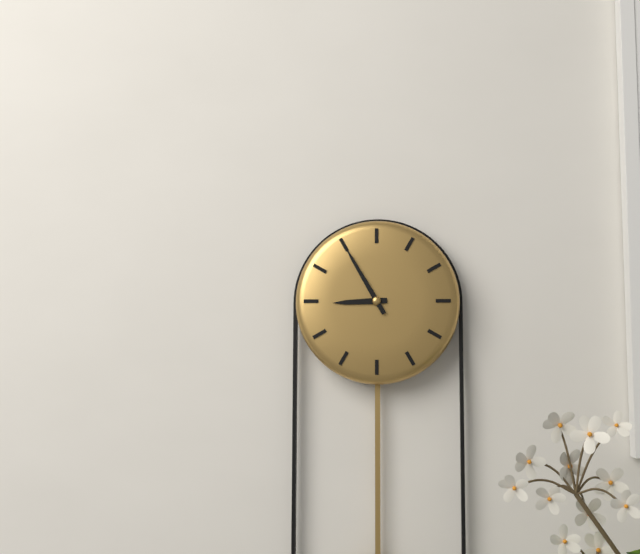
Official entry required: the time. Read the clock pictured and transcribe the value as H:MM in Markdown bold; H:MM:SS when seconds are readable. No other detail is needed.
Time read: **8:55**
